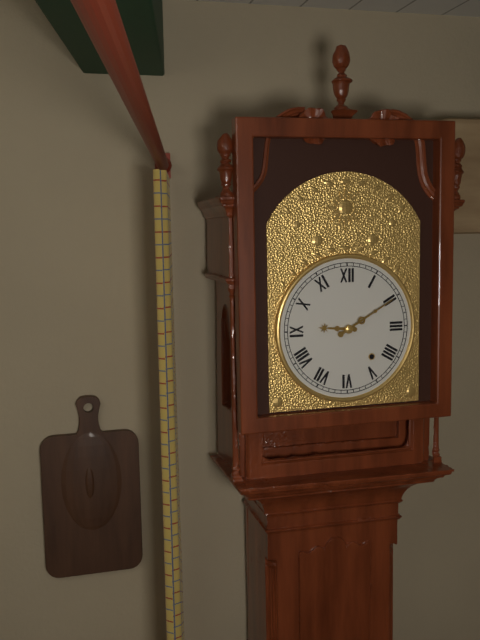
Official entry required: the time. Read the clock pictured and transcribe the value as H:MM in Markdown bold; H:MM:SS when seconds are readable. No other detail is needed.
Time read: **9:10**
